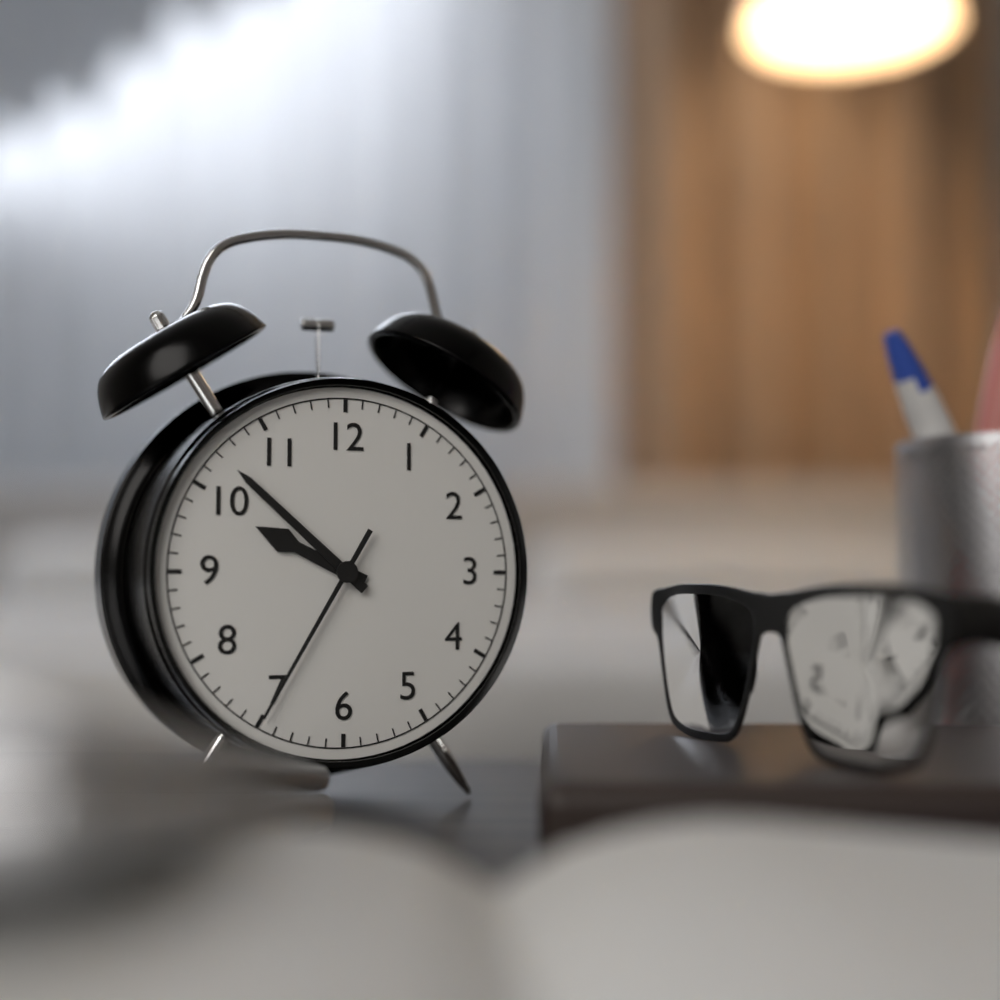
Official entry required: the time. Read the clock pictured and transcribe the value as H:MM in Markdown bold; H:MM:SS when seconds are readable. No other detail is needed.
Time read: **9:52:35**
